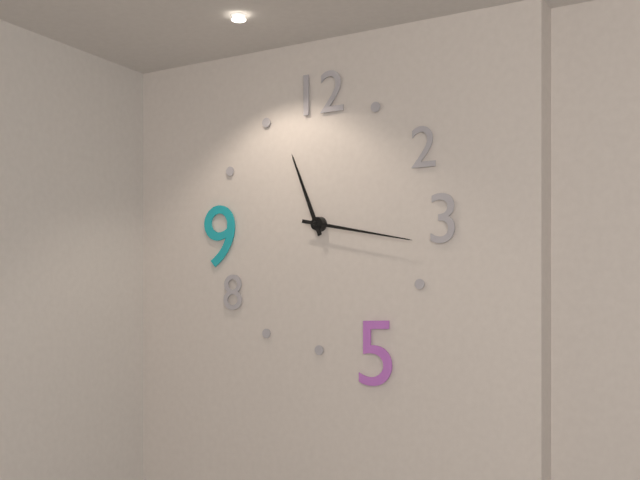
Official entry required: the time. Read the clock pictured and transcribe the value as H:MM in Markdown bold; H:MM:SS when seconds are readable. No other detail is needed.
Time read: **11:17**
